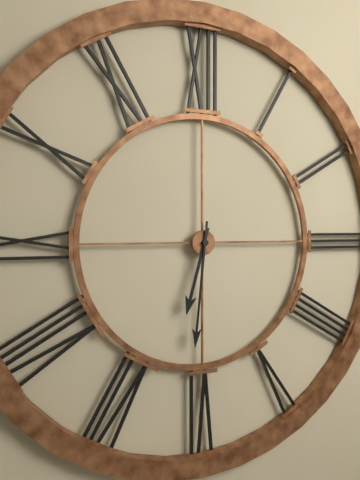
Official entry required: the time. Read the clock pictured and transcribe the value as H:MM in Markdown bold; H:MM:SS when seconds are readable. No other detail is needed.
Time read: **6:31**
